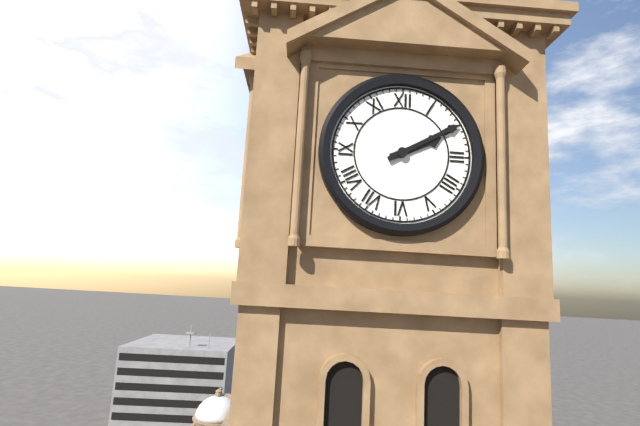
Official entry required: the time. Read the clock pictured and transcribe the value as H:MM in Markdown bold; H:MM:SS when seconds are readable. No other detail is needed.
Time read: **2:10**
